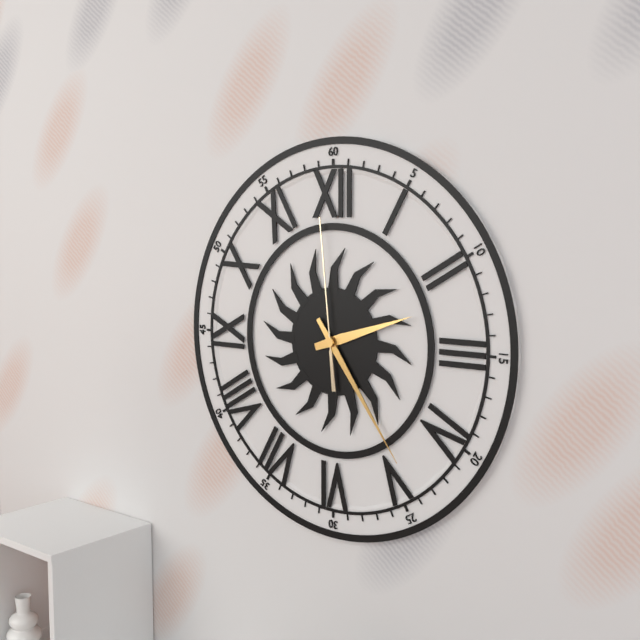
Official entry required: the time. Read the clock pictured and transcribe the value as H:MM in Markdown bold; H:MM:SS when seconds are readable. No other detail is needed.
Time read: **2:24:59**
